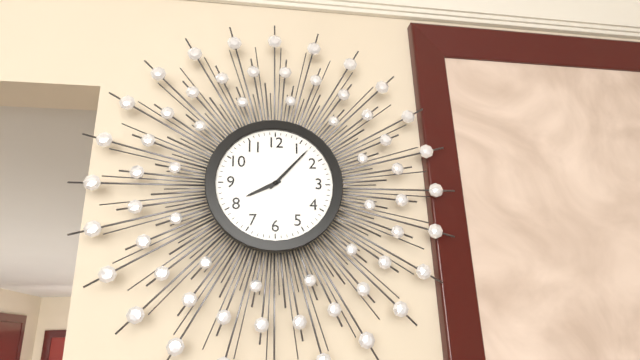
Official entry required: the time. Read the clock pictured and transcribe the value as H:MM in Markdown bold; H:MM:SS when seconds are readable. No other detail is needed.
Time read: **8:07**
